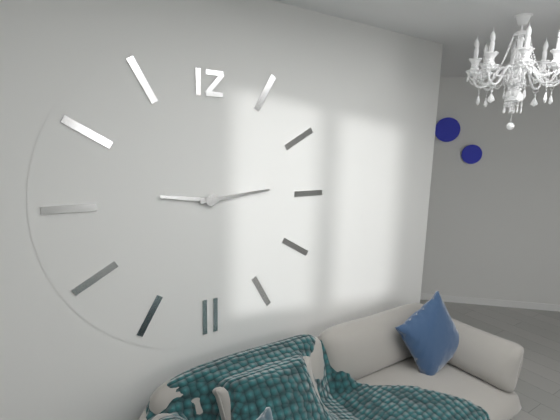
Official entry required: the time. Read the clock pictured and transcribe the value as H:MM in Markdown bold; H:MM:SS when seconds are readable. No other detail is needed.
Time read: **9:14**
